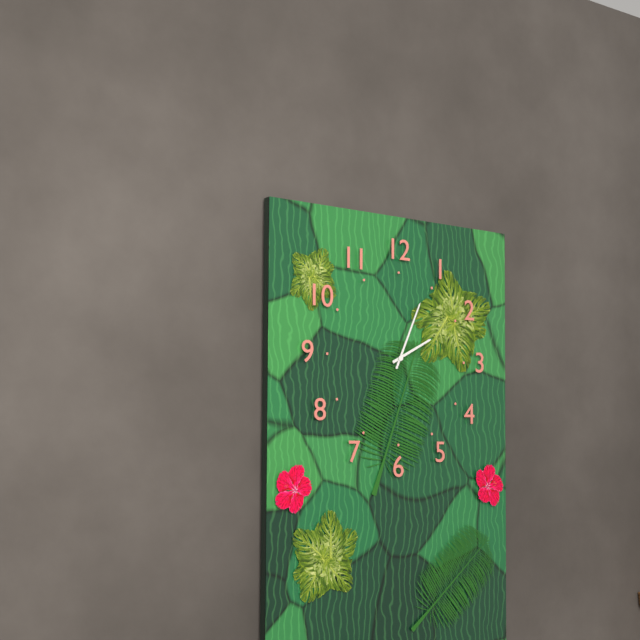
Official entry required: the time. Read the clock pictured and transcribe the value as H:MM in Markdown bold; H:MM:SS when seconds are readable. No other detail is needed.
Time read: **2:04**
